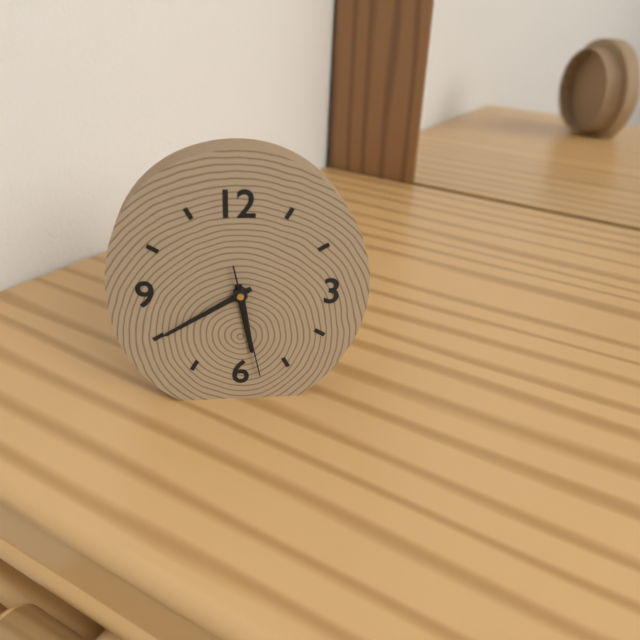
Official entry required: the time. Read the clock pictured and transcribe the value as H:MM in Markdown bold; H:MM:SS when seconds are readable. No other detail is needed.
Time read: **5:40:28**
